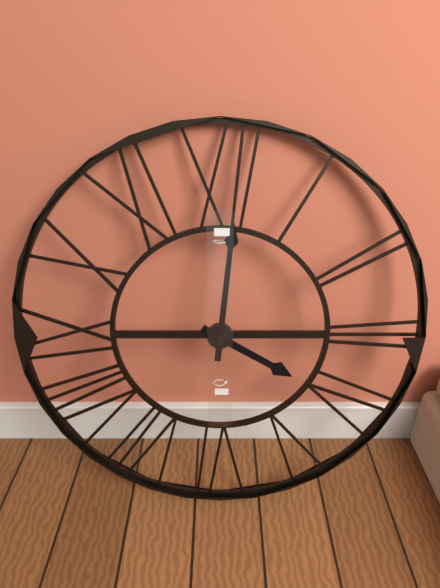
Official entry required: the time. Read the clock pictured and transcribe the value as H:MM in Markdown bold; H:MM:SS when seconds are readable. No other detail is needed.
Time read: **4:01**
